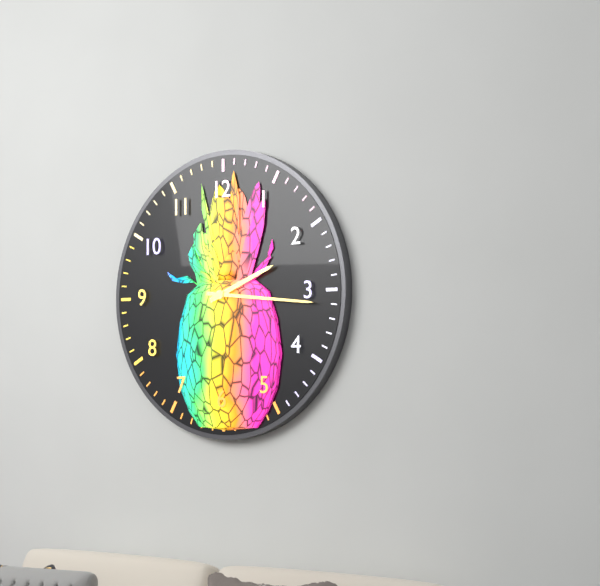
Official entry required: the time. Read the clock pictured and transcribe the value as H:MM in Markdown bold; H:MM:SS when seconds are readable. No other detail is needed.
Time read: **2:16**
